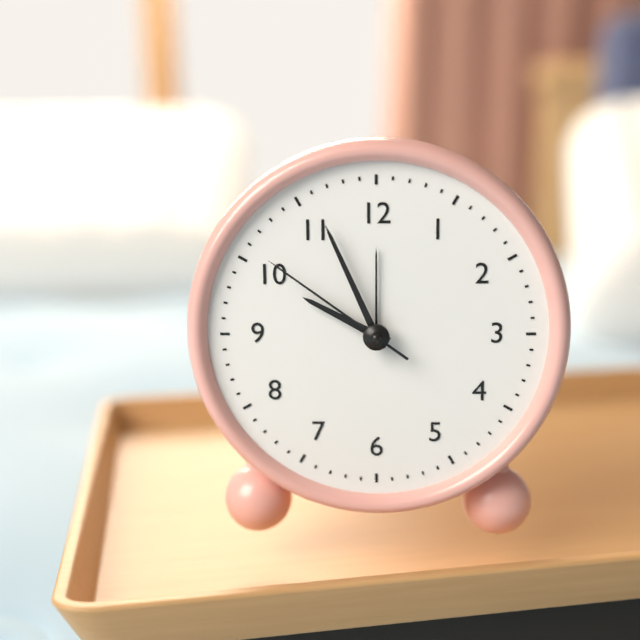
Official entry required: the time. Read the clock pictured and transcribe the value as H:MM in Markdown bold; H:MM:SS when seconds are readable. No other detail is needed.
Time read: **9:56:51**
